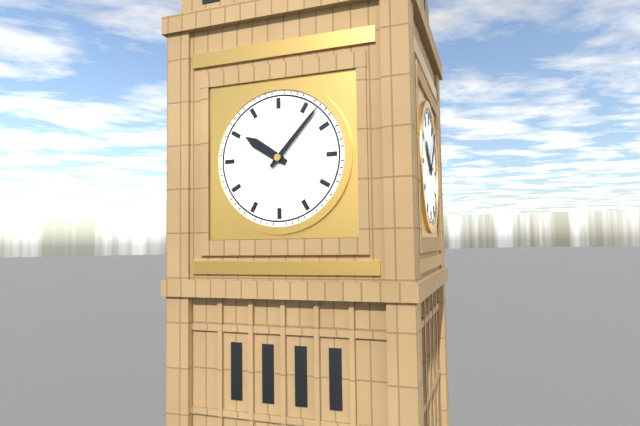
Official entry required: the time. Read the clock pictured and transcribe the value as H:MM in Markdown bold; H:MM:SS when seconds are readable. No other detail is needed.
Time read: **10:07**
